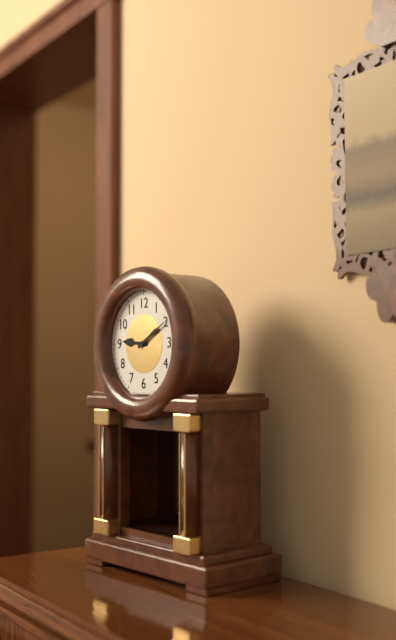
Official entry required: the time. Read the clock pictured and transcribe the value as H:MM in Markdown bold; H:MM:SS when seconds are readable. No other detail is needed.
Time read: **9:10**
